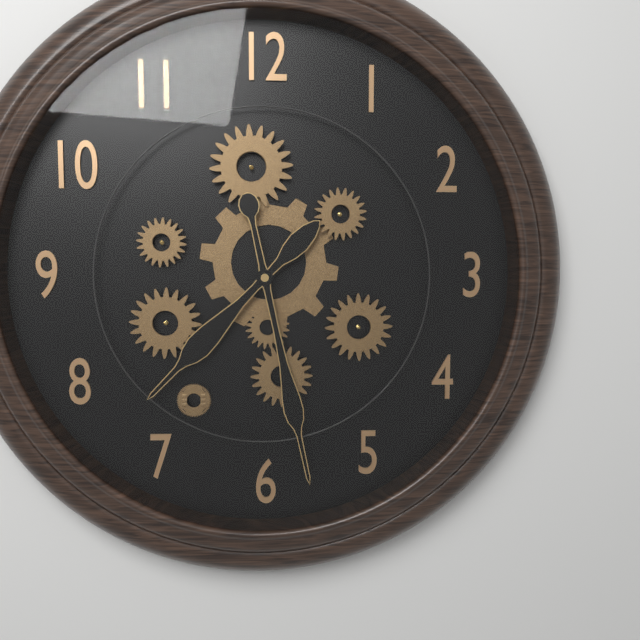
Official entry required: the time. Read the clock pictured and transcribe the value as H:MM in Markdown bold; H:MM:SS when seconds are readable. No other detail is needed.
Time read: **7:28**
